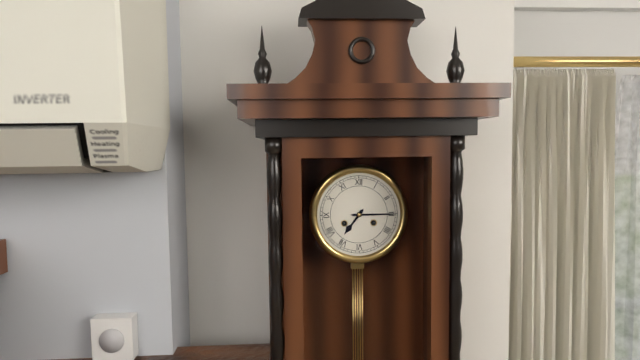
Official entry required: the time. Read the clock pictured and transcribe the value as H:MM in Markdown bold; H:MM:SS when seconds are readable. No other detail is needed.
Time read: **7:15**
